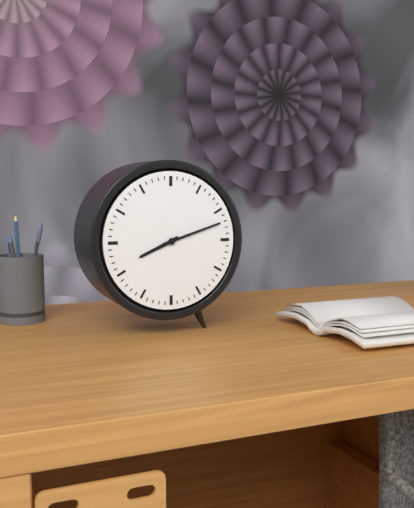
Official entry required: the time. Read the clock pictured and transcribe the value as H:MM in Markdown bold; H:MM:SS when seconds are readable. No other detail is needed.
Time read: **8:12**
